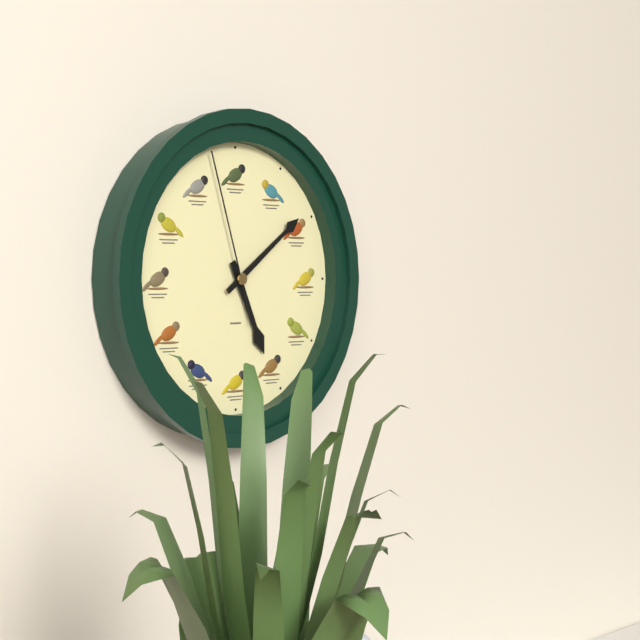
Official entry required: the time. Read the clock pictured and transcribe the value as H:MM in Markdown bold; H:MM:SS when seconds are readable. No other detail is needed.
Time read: **5:09:57**
